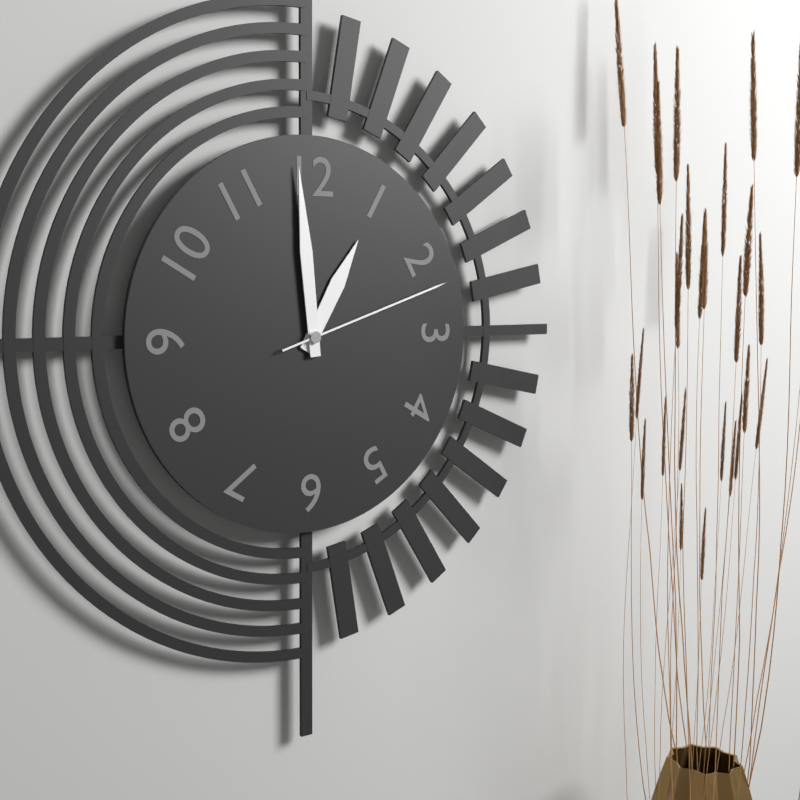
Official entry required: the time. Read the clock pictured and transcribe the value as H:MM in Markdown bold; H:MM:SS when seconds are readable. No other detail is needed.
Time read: **12:59:12**
